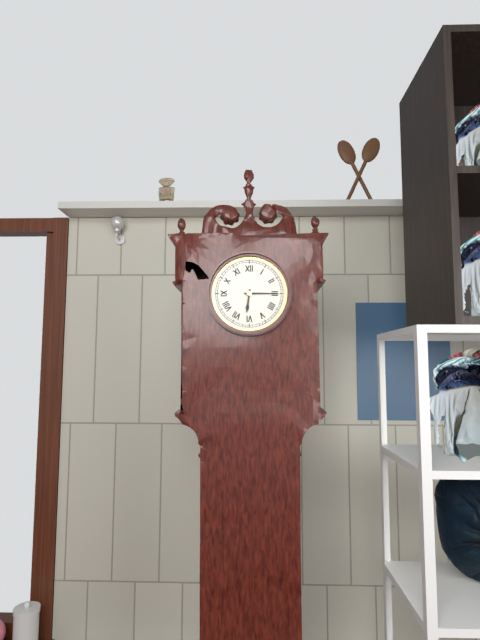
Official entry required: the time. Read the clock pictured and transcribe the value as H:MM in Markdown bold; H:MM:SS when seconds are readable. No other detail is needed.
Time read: **6:15**
